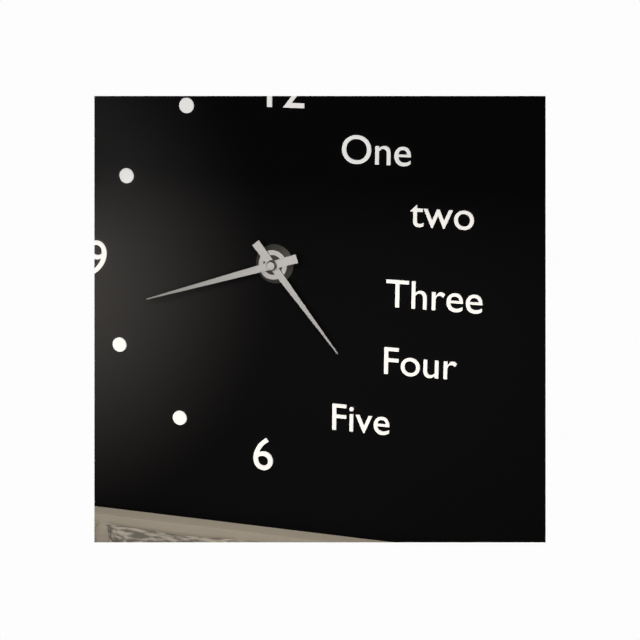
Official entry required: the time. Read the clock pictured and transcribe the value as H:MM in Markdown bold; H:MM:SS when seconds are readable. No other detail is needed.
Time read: **4:42**
